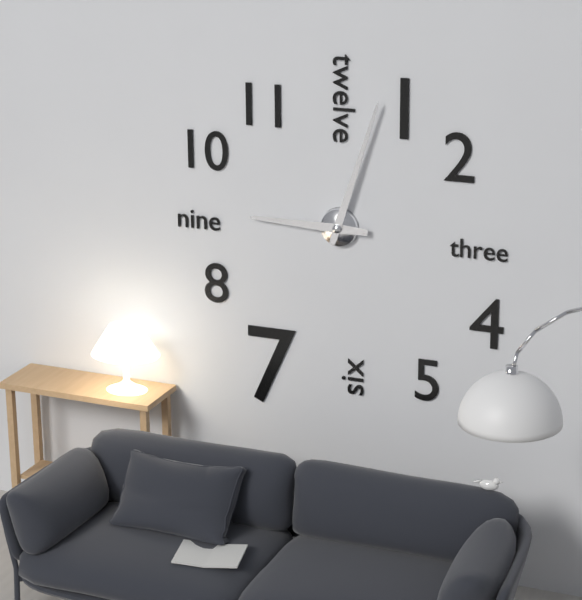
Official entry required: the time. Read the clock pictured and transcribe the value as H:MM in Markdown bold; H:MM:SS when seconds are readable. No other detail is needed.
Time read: **9:03**
